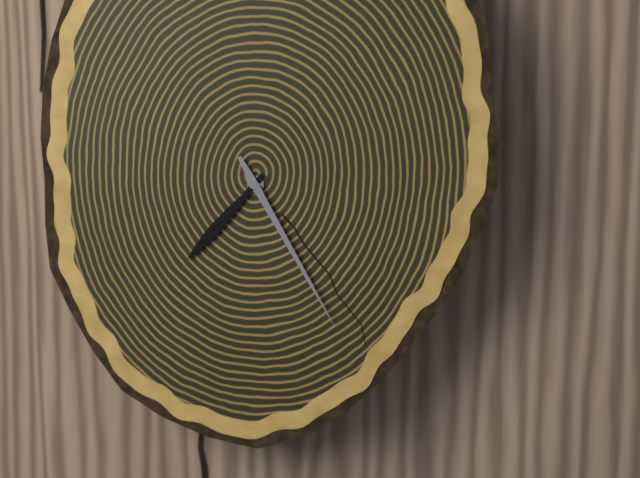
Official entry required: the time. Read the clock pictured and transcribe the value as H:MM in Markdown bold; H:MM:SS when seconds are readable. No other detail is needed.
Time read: **7:25**
